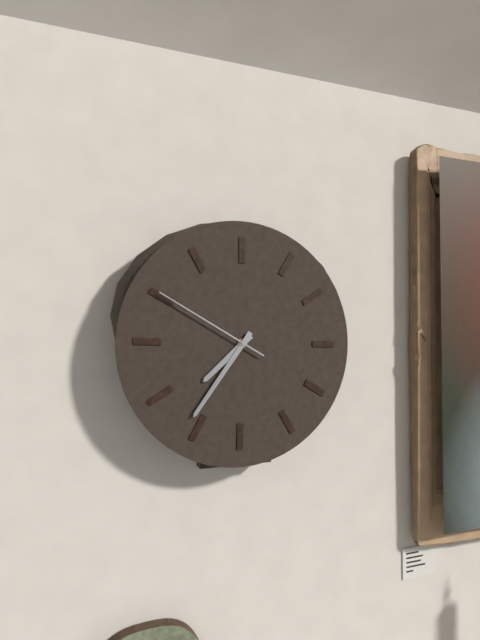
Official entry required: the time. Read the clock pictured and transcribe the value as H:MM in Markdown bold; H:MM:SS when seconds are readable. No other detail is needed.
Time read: **7:36:50**
